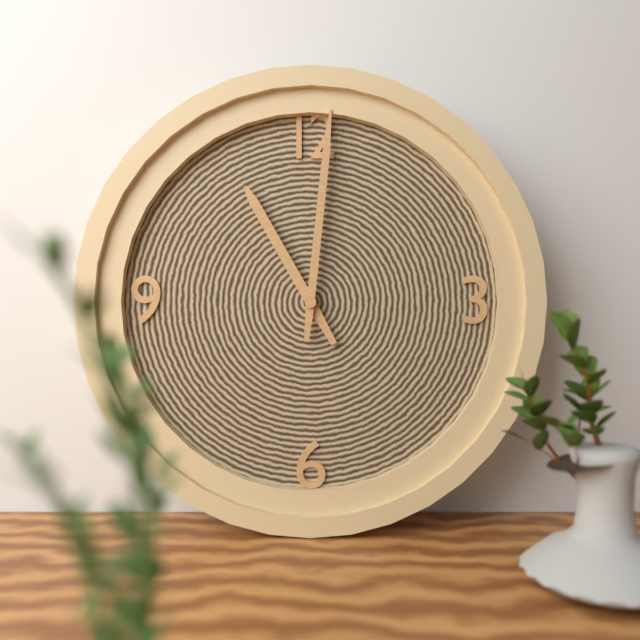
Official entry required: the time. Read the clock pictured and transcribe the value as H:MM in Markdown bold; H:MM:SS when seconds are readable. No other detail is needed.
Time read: **11:01**
